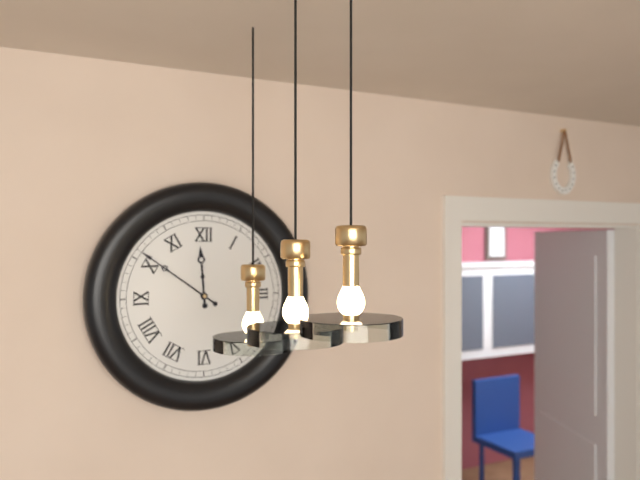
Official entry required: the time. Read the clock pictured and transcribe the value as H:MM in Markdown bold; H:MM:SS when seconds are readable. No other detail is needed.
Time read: **11:51**
